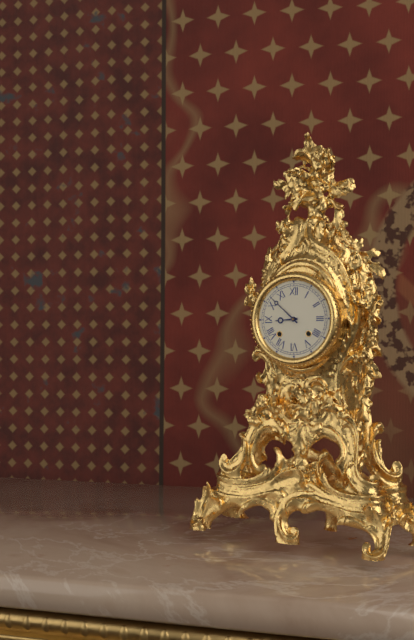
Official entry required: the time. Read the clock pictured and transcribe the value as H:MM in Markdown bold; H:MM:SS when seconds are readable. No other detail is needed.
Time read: **8:52**
